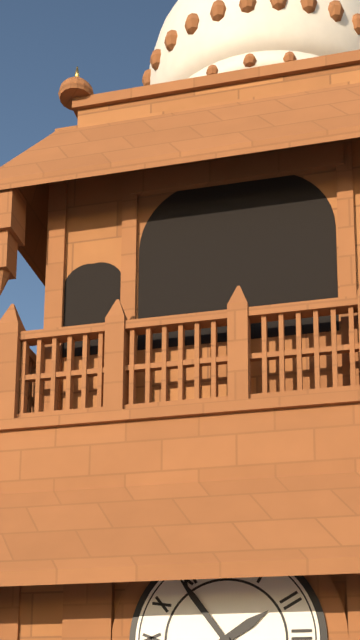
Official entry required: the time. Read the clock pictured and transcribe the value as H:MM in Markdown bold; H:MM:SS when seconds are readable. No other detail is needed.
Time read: **1:54**
